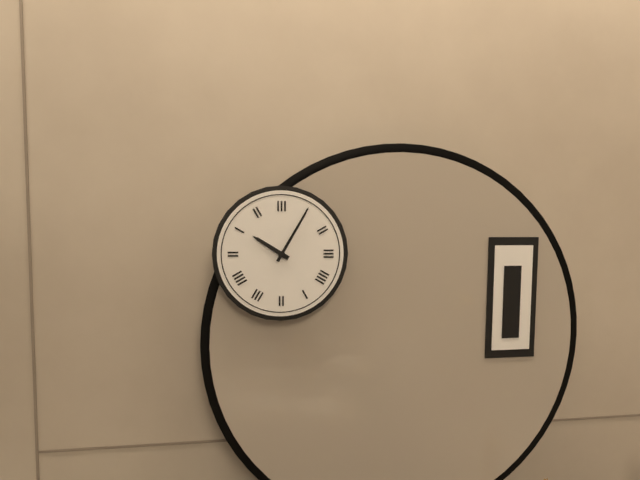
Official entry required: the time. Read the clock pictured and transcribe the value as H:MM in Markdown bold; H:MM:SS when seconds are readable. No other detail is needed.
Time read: **10:05**
